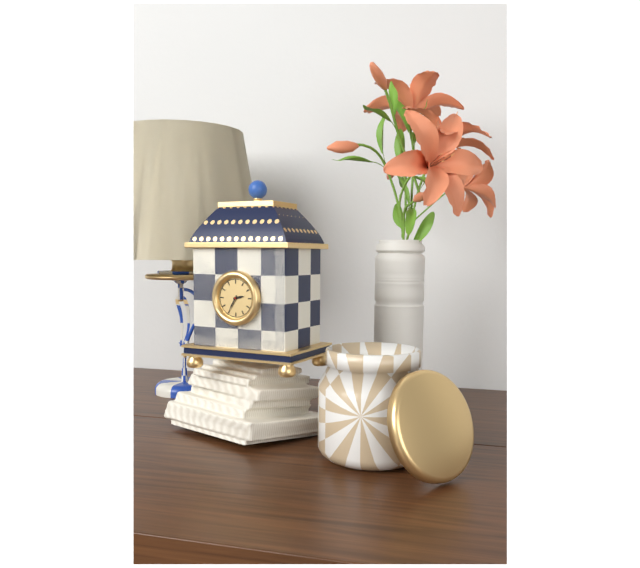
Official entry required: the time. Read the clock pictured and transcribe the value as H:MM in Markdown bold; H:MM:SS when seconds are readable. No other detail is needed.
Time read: **2:35**
